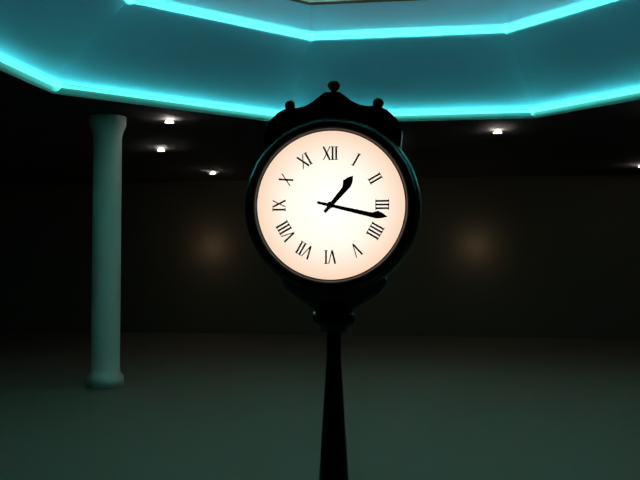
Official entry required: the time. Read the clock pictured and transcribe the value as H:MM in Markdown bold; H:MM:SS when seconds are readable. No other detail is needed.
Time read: **1:17**
